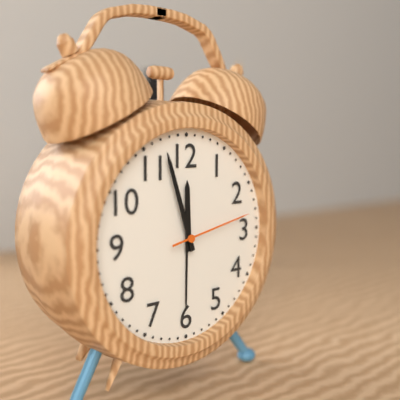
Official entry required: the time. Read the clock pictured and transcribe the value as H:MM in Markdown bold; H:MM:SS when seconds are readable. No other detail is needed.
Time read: **11:57:13**
